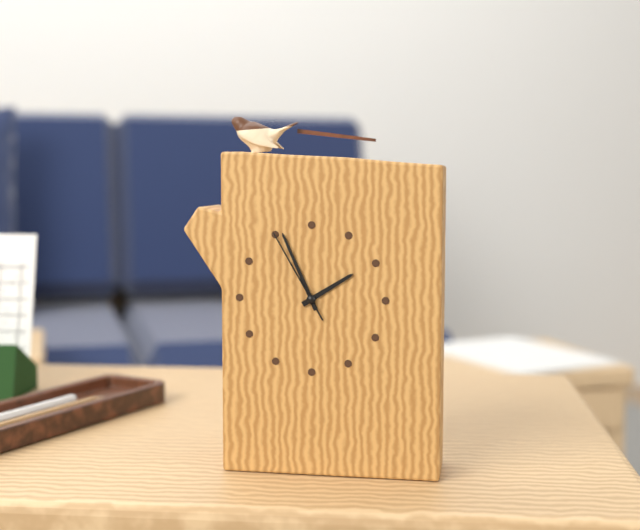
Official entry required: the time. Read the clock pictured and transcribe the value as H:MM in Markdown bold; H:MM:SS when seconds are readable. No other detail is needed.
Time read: **1:56:55**
